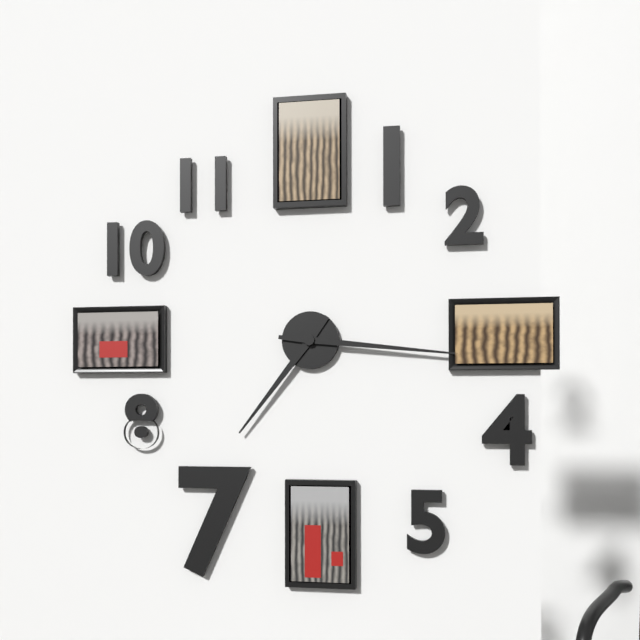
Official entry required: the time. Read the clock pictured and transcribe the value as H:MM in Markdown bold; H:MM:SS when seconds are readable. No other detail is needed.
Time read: **7:16**
